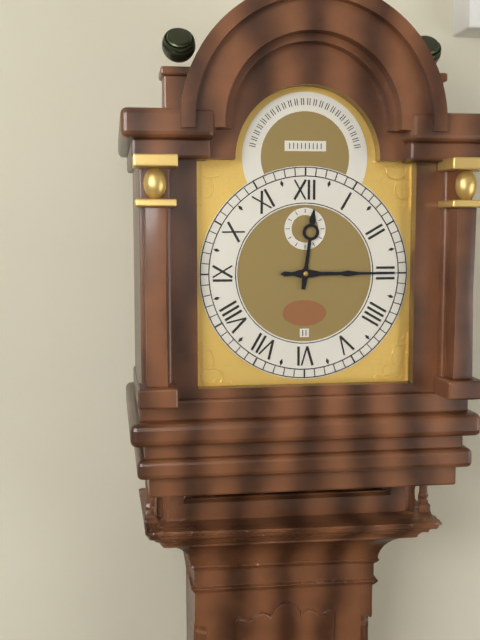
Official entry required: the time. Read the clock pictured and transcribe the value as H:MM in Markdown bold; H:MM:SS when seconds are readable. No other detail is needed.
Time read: **12:15**
